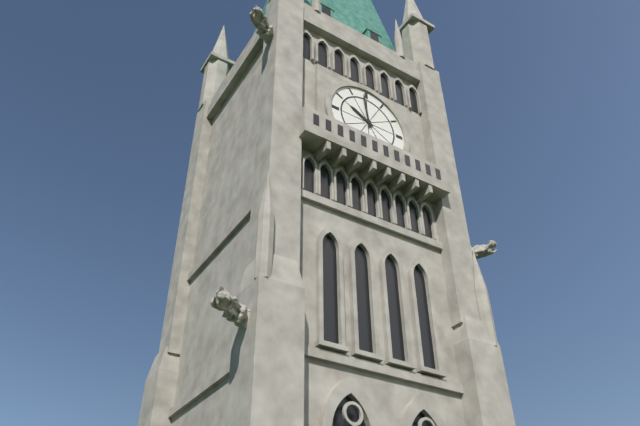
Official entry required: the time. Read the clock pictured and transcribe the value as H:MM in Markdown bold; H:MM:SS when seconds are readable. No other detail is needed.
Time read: **9:59**
